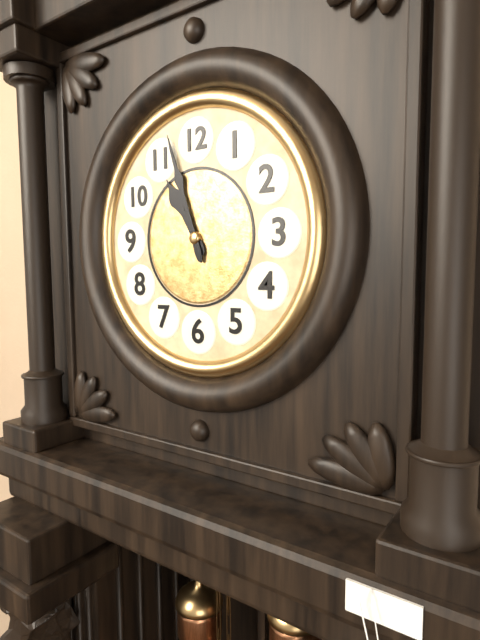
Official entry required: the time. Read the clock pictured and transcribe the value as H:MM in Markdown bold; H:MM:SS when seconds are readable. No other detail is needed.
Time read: **10:57**
